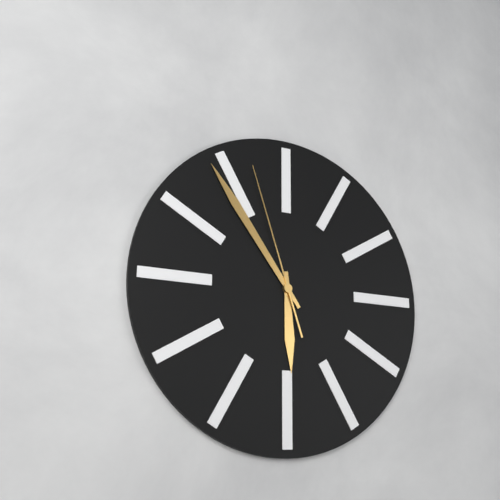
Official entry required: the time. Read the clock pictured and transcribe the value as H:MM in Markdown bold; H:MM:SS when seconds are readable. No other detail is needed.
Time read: **5:54:57**
